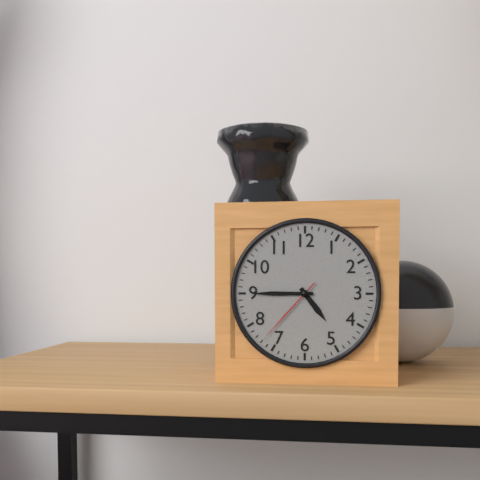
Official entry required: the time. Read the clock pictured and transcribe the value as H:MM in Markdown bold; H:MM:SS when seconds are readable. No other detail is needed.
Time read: **4:45:37**
